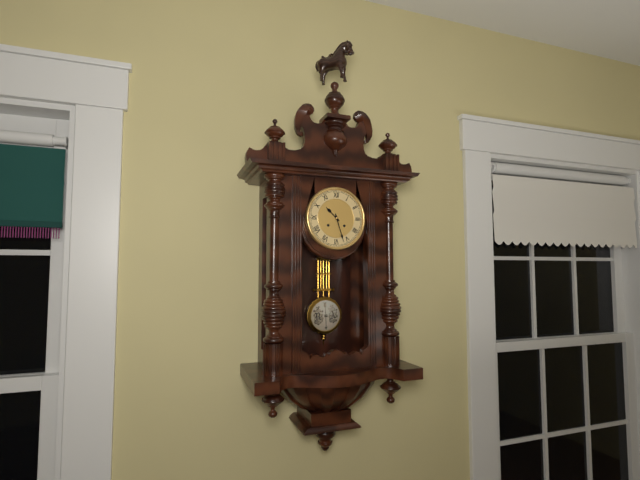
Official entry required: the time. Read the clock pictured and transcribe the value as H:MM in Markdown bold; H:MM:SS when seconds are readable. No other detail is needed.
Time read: **10:27**
